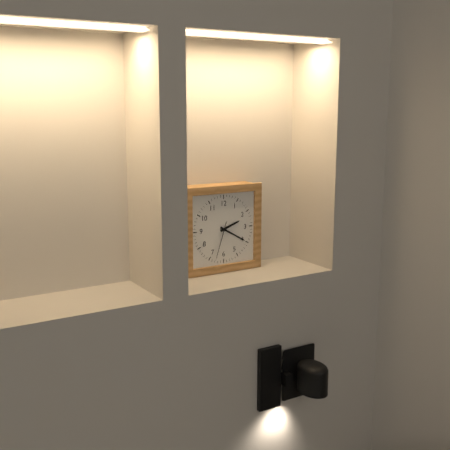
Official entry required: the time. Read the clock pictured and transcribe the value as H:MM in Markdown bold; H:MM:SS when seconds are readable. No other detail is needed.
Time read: **2:20**
